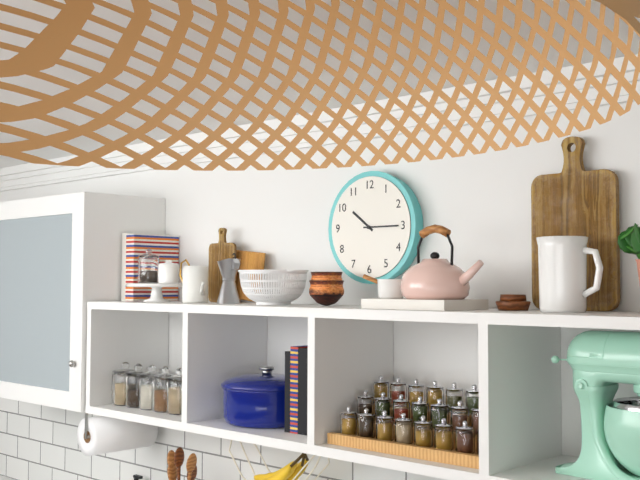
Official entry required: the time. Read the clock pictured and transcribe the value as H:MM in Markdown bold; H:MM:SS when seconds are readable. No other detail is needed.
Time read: **10:15**
